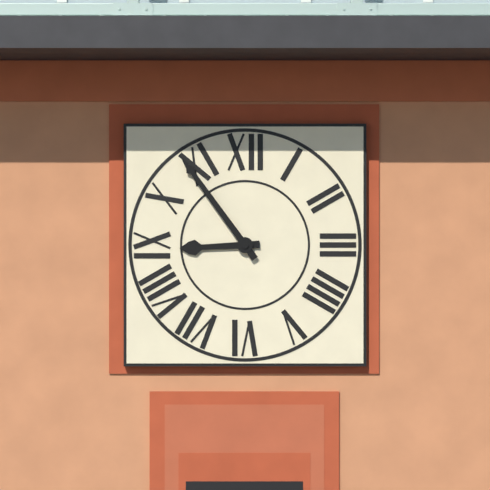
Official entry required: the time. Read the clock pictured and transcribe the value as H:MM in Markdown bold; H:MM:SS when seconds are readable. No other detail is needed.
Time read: **8:54**
